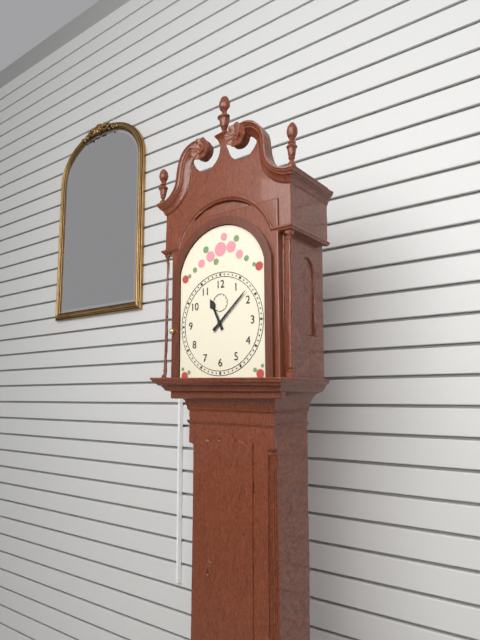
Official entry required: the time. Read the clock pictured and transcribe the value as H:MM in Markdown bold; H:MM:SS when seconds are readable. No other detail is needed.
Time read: **11:08**
